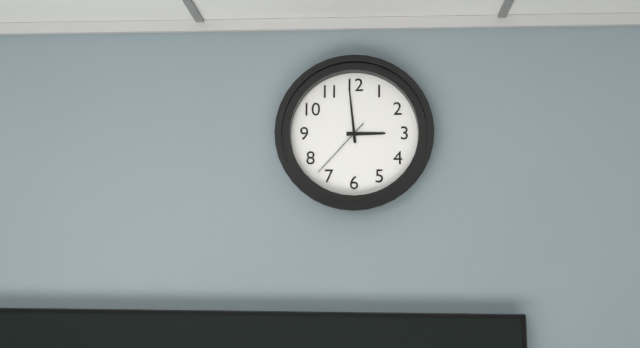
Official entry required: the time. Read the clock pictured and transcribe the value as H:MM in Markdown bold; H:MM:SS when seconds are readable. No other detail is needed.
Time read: **2:59:37**
